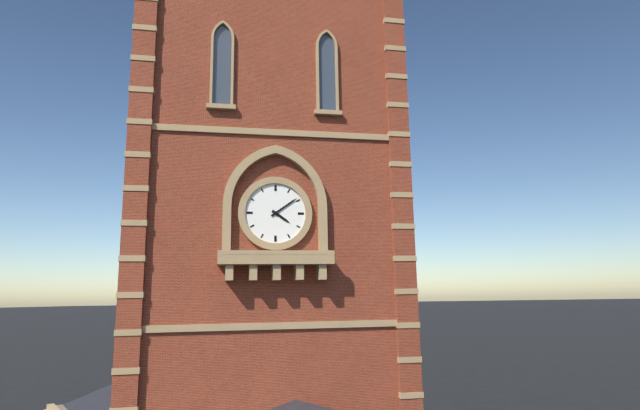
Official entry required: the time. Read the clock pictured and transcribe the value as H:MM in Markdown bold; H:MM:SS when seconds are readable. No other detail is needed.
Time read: **4:09**
